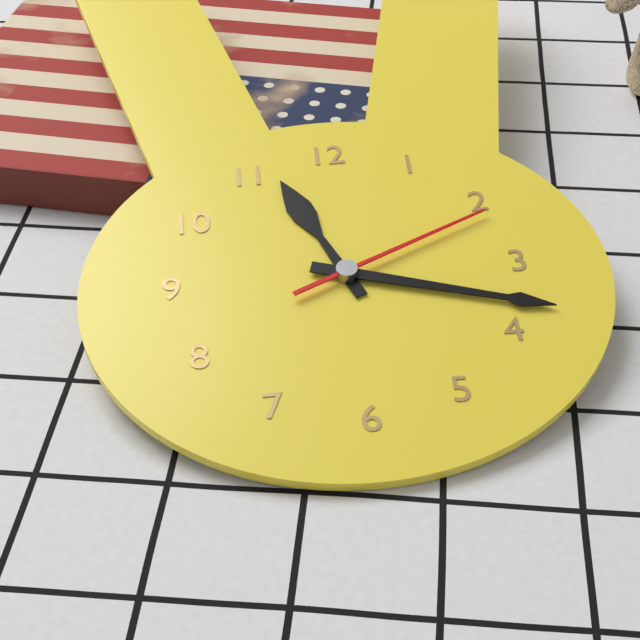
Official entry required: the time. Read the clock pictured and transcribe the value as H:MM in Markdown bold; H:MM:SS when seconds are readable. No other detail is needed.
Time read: **11:18:11**
